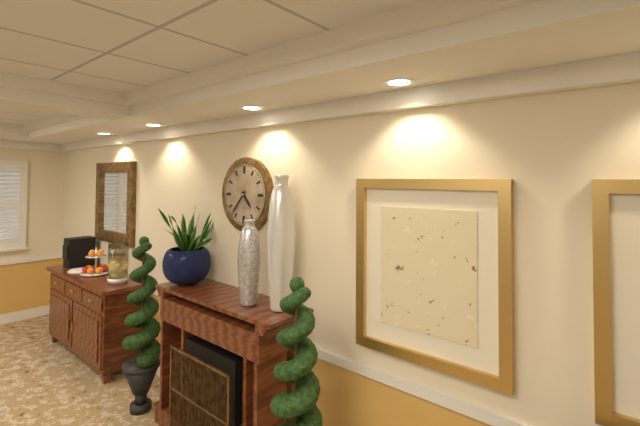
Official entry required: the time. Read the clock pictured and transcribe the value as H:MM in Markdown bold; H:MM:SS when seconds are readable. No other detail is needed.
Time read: **4:37**
